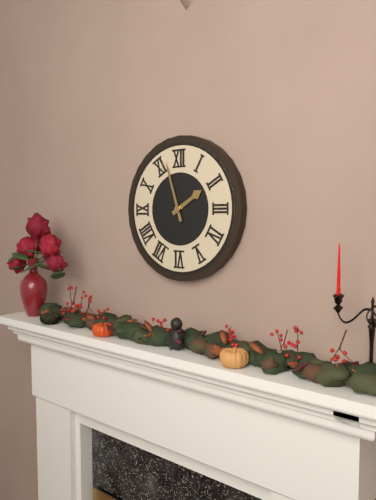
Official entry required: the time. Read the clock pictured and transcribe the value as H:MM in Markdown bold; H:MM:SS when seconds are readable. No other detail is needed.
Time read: **1:57**
